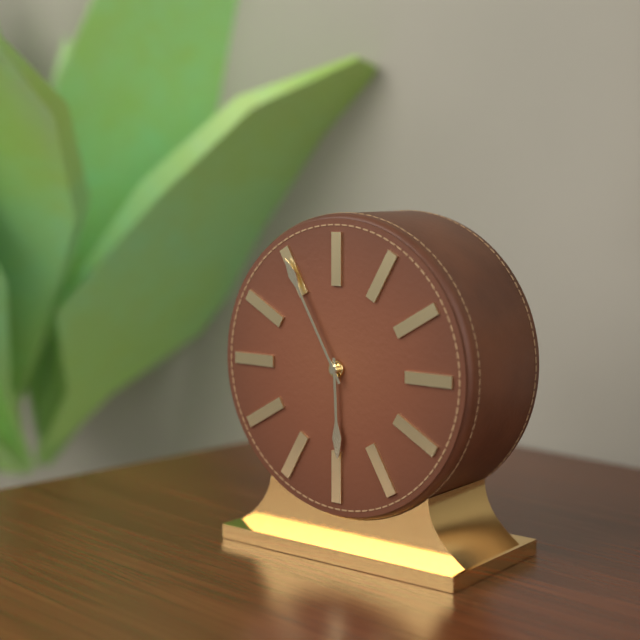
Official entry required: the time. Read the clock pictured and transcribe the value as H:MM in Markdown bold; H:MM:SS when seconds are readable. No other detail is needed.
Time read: **5:55**
